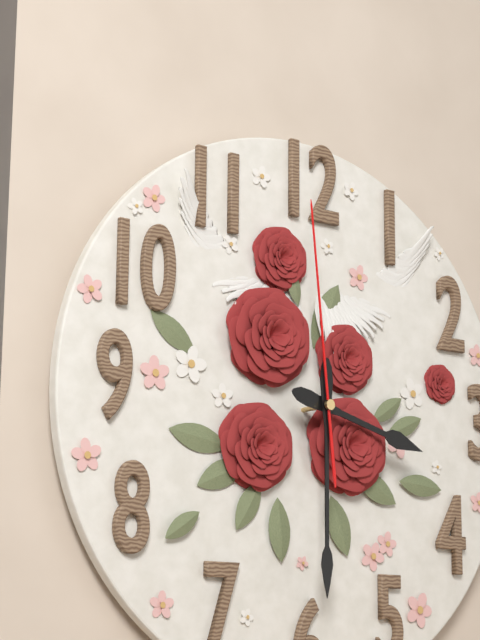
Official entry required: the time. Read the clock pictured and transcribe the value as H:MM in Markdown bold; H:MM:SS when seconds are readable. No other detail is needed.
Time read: **3:30:59**
